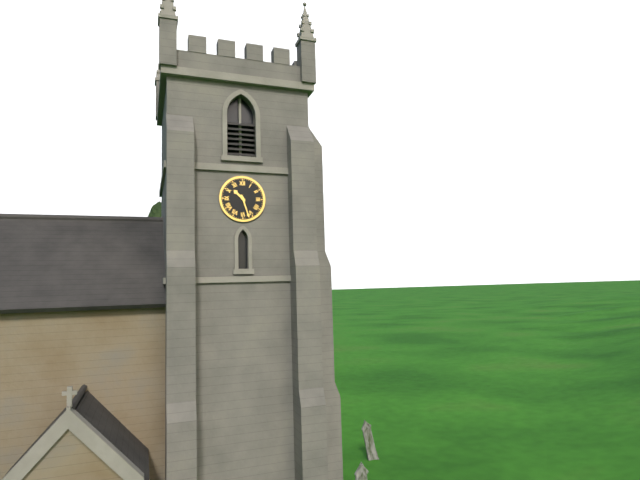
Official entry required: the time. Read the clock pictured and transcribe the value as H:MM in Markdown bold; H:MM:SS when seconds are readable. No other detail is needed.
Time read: **10:27**
